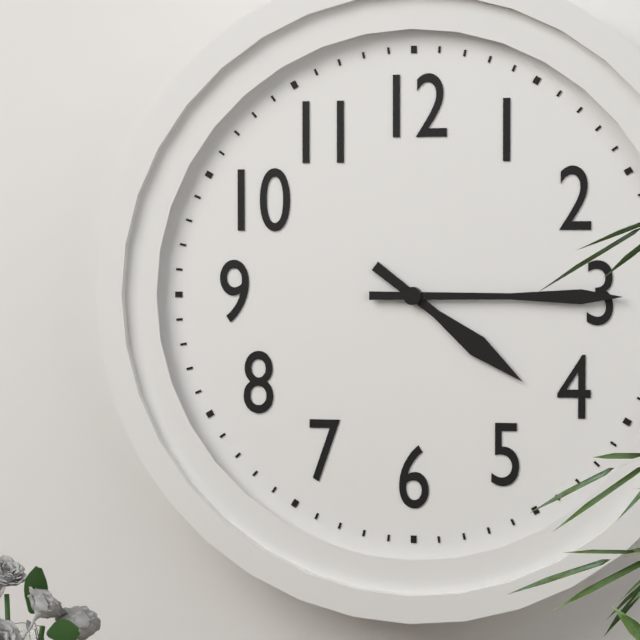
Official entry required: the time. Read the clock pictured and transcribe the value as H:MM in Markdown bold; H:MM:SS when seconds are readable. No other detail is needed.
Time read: **4:15**
